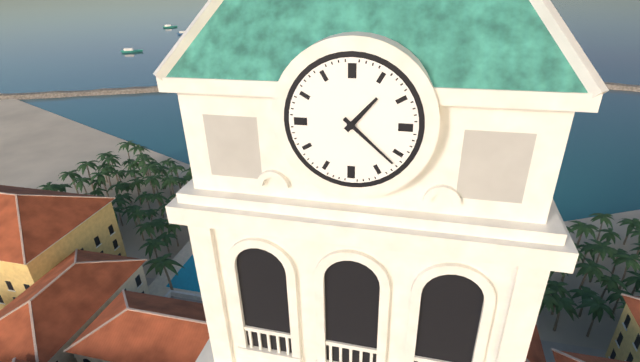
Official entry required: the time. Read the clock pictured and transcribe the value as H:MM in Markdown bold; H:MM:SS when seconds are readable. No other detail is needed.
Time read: **1:22**
